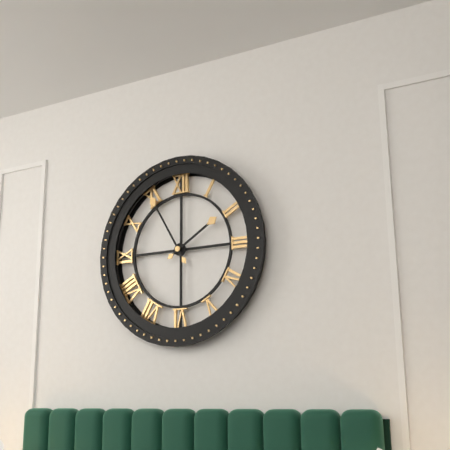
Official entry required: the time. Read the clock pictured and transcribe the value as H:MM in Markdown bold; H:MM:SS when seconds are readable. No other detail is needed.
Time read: **1:55**
